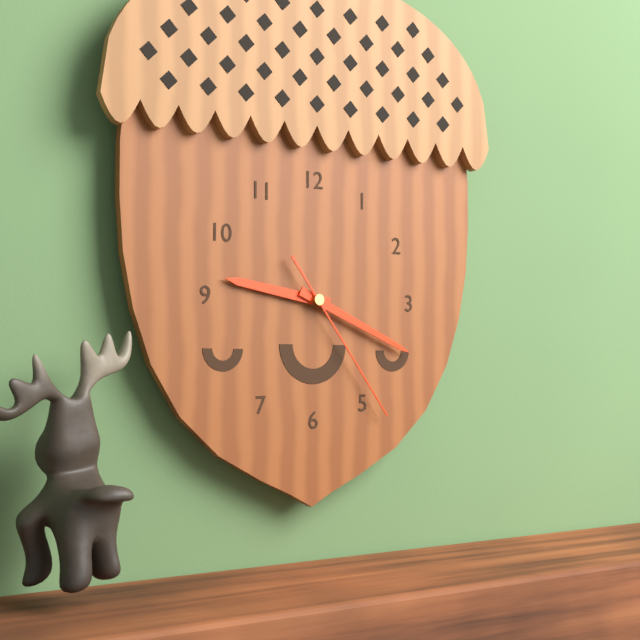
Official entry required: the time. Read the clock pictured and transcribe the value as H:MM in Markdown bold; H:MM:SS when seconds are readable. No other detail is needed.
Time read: **9:19:24**
